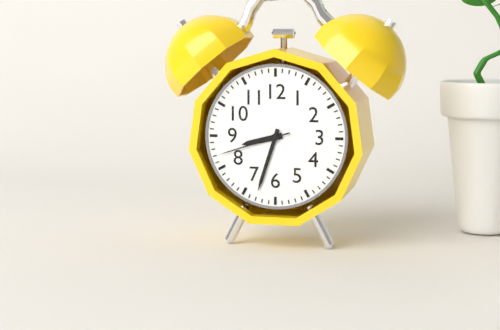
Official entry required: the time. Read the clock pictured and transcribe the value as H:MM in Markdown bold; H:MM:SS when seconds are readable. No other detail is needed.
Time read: **8:33:42**
